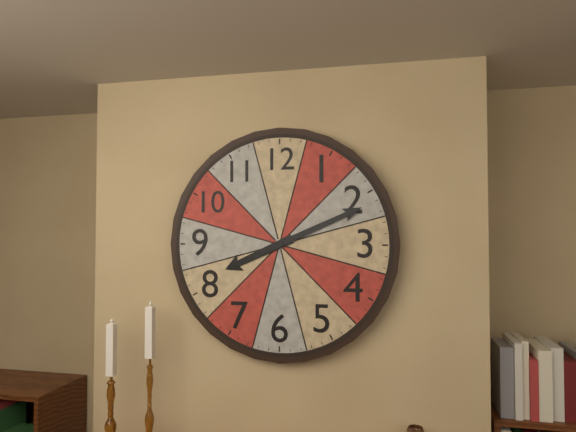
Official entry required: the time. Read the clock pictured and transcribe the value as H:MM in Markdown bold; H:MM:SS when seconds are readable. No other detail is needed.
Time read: **8:11**
